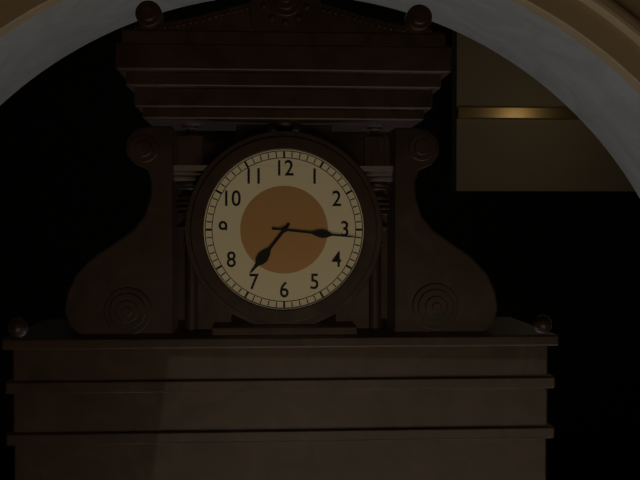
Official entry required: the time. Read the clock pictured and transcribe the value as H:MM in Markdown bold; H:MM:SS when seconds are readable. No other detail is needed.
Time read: **7:16**
